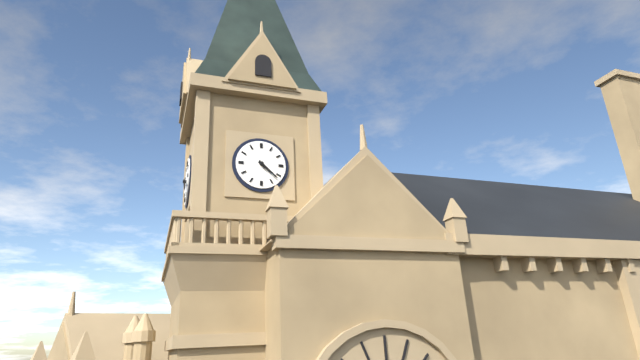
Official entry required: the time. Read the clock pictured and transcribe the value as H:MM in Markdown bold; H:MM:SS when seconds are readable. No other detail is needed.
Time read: **4:22**
